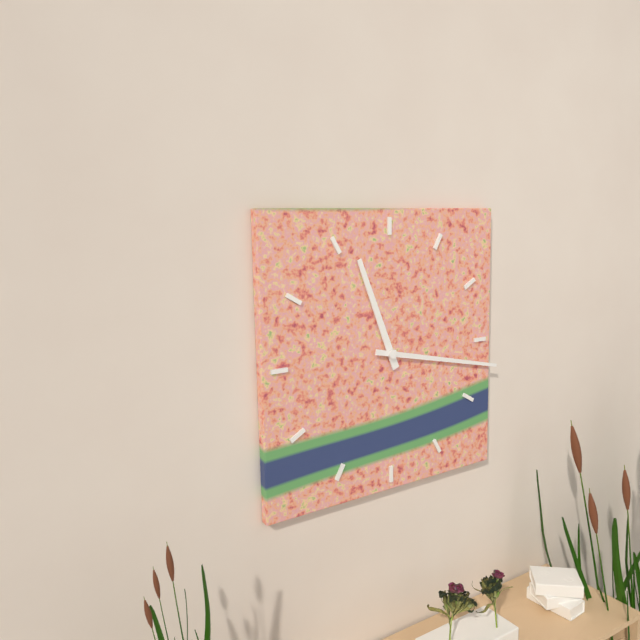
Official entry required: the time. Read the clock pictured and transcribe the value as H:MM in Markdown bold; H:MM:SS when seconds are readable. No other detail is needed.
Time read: **11:17**
